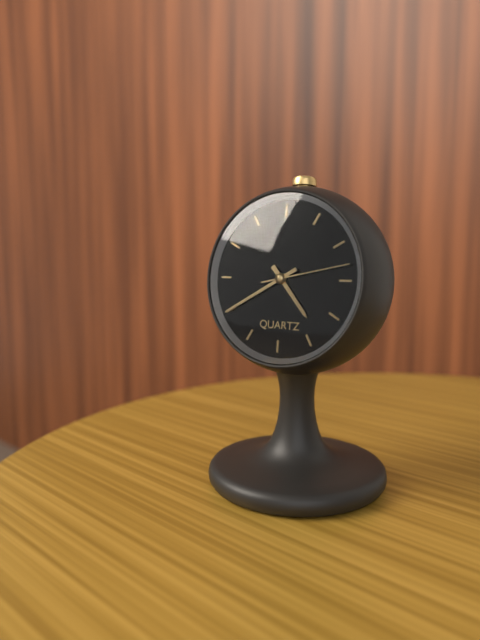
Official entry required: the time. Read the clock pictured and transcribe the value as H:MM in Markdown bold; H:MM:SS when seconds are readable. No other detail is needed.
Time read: **4:40:13**
